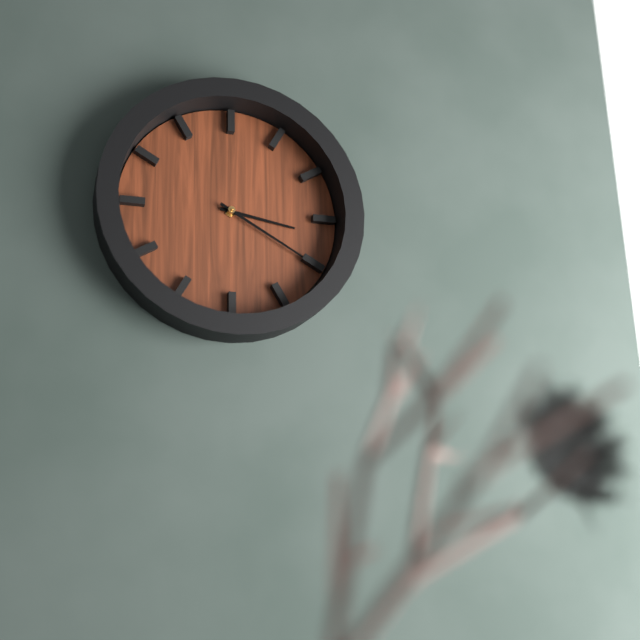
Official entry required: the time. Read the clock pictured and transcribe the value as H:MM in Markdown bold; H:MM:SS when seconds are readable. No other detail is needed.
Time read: **3:20**
